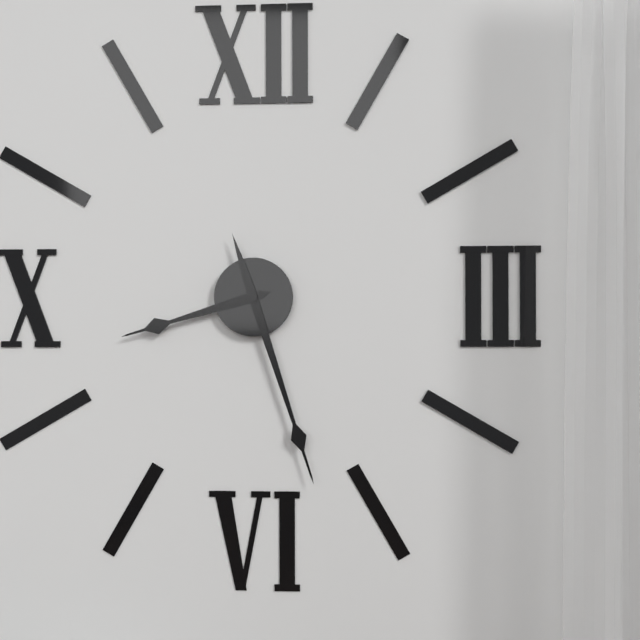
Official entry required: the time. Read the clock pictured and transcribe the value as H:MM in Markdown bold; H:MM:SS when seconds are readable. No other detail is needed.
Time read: **8:27**
